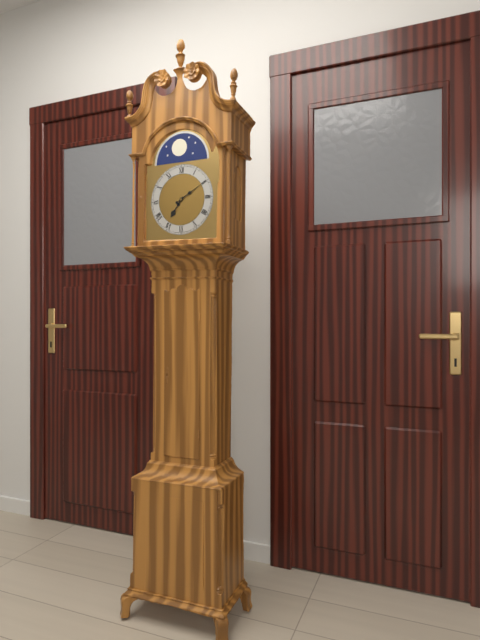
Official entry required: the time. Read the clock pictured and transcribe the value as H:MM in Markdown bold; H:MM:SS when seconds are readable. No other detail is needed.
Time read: **7:10**
